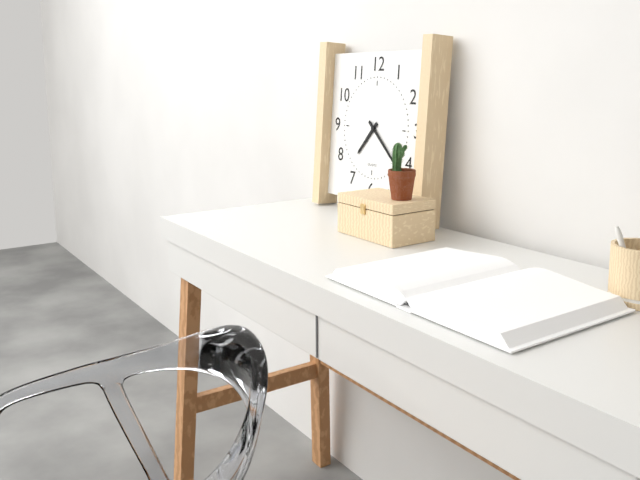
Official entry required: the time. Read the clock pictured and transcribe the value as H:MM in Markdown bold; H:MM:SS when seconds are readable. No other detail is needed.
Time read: **7:22**
